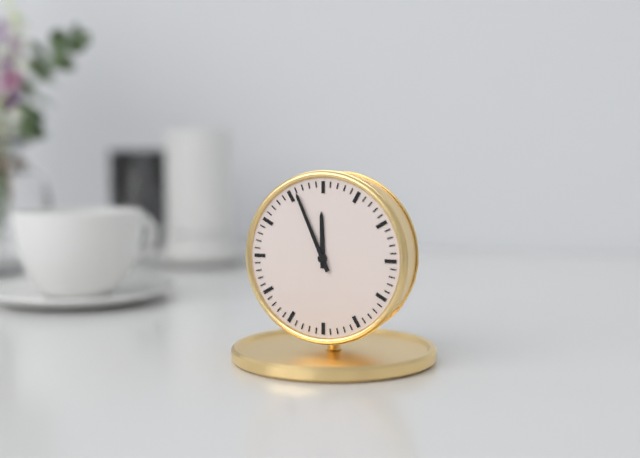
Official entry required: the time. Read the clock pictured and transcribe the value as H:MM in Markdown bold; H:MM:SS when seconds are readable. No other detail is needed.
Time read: **11:56**
